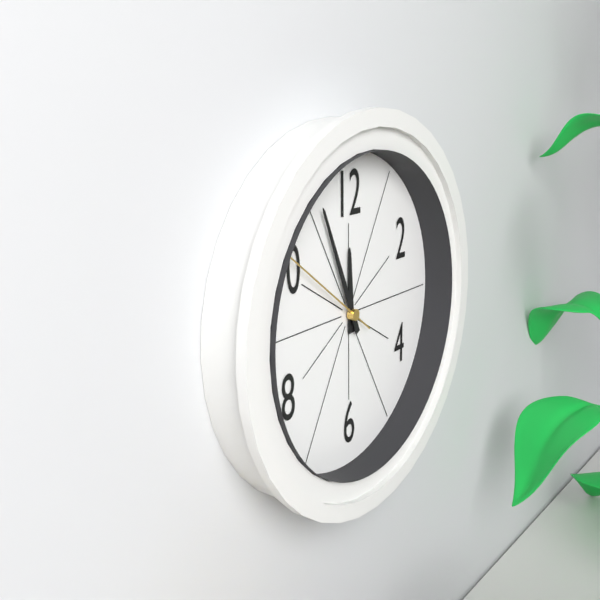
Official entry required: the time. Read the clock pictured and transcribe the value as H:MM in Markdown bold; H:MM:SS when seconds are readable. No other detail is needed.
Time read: **11:56:51**
